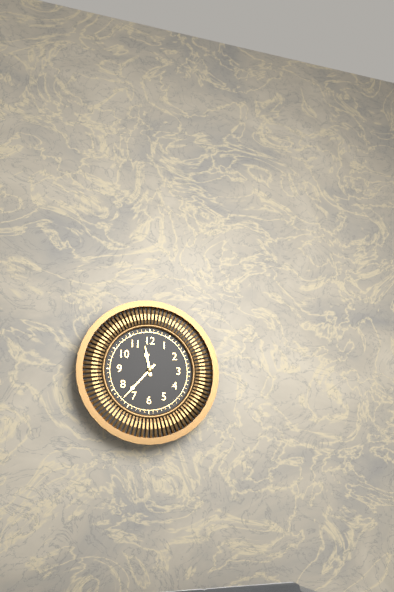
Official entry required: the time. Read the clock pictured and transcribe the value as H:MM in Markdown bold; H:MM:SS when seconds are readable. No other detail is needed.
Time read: **11:37**
